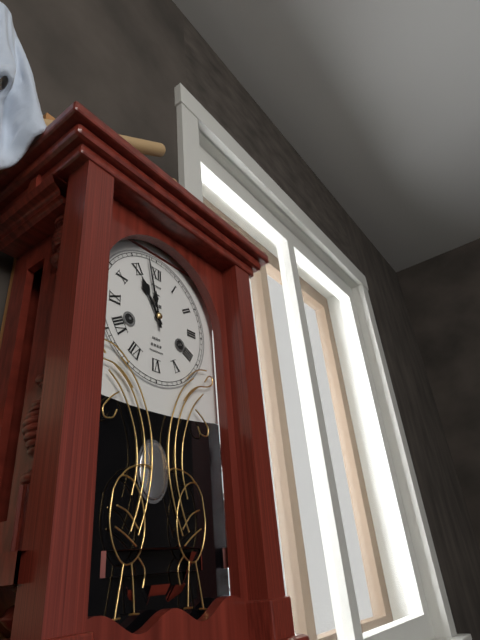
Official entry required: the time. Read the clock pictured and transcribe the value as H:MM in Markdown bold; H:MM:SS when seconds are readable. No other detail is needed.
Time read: **10:58**
